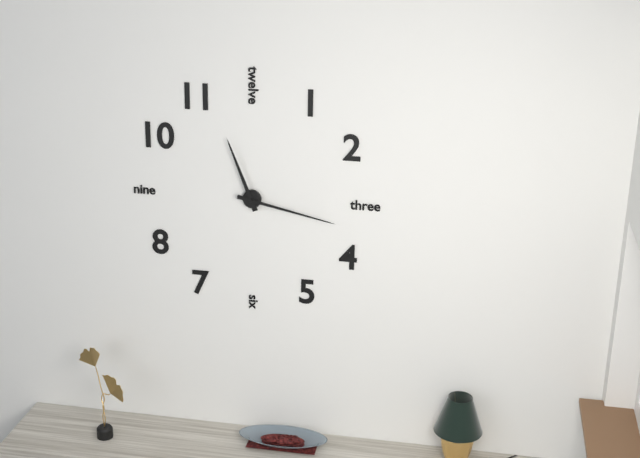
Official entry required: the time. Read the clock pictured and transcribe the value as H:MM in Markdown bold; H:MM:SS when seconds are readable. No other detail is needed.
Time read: **11:17**
